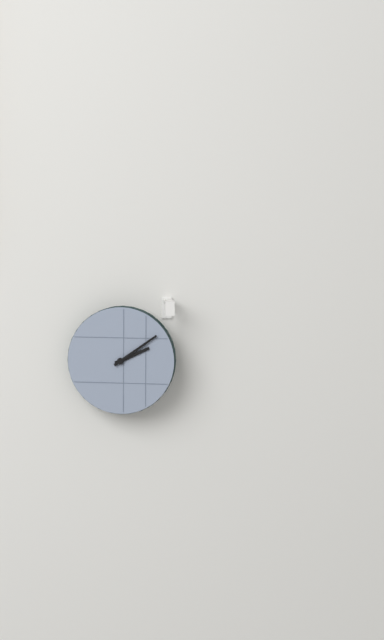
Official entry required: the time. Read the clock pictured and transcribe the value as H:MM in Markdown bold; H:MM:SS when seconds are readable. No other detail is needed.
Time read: **2:09**
